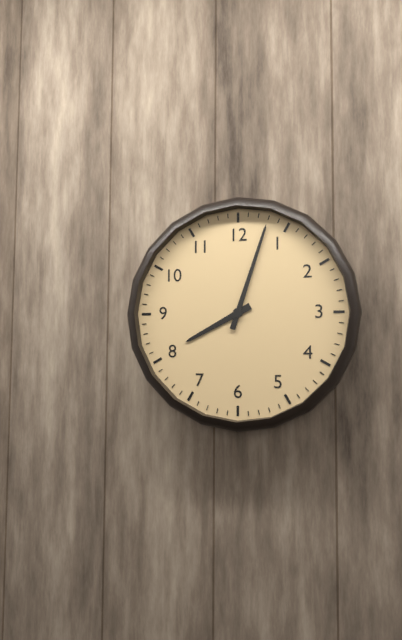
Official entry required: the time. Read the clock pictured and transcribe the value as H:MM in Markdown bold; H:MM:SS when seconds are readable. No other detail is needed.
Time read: **8:03**
